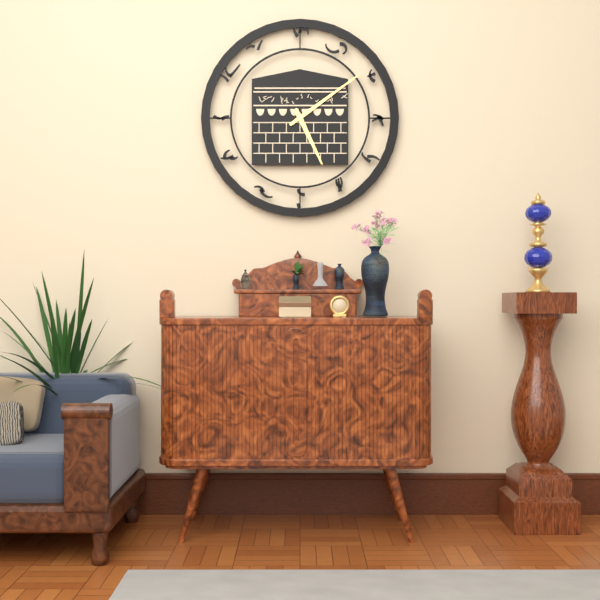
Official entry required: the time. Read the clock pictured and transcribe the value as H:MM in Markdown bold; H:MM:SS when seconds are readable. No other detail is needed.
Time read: **5:09**
